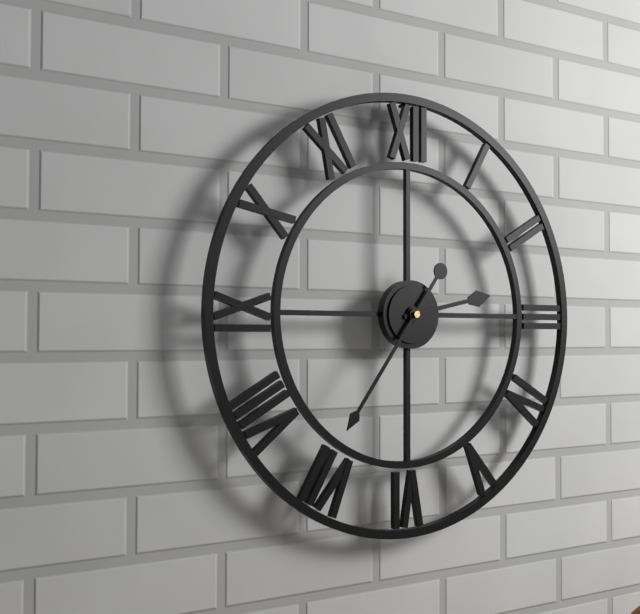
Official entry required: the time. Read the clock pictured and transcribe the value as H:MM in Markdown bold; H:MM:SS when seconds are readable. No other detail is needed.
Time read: **2:36**
